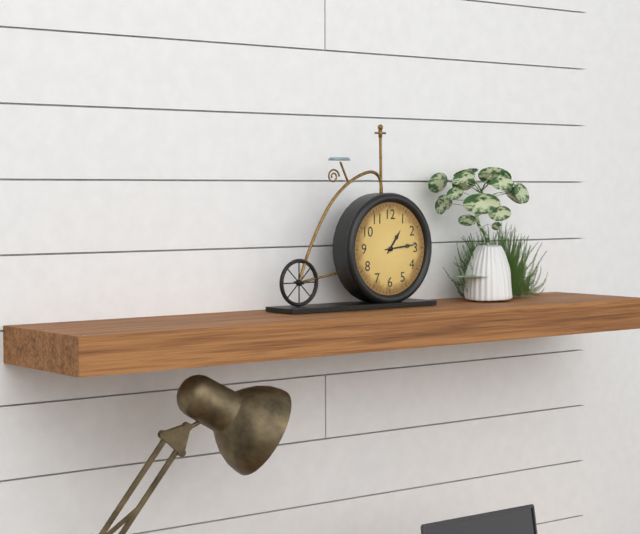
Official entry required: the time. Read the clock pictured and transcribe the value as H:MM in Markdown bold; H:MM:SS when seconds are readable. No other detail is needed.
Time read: **1:14**
